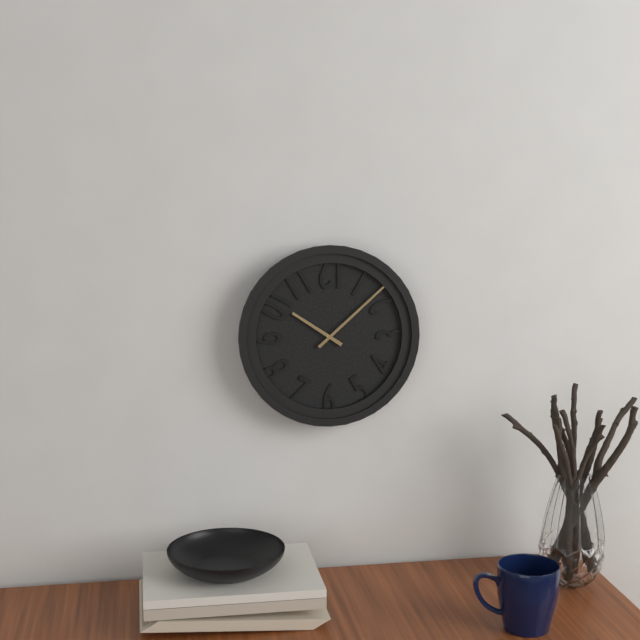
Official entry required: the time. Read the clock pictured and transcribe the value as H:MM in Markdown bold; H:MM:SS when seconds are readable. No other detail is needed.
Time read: **10:08**
